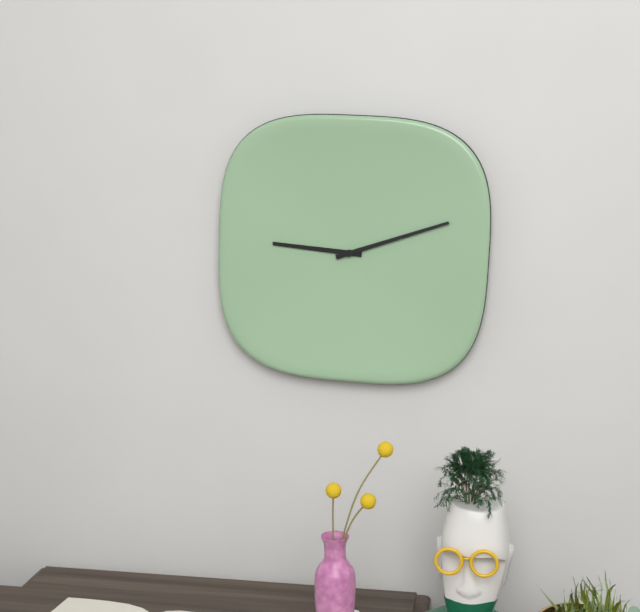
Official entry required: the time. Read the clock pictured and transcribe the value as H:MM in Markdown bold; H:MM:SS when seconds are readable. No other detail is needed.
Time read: **9:12**
